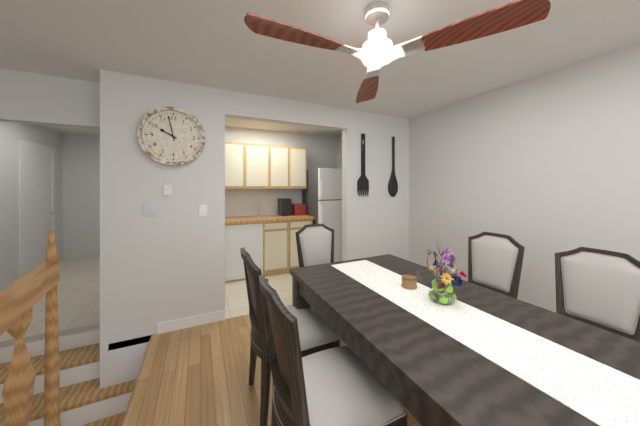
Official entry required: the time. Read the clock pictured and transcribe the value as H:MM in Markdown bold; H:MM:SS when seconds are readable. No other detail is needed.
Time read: **9:58**
